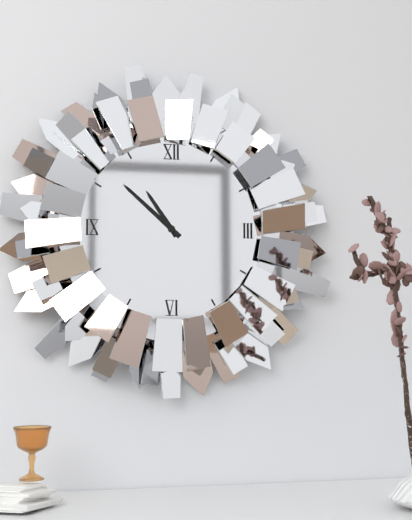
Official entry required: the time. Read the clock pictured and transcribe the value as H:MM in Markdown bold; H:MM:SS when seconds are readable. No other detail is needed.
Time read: **10:52**
